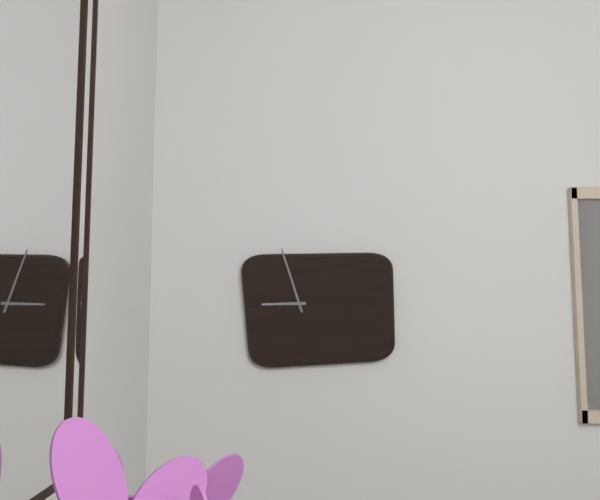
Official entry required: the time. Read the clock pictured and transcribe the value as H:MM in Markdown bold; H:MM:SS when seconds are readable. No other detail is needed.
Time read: **8:57**
